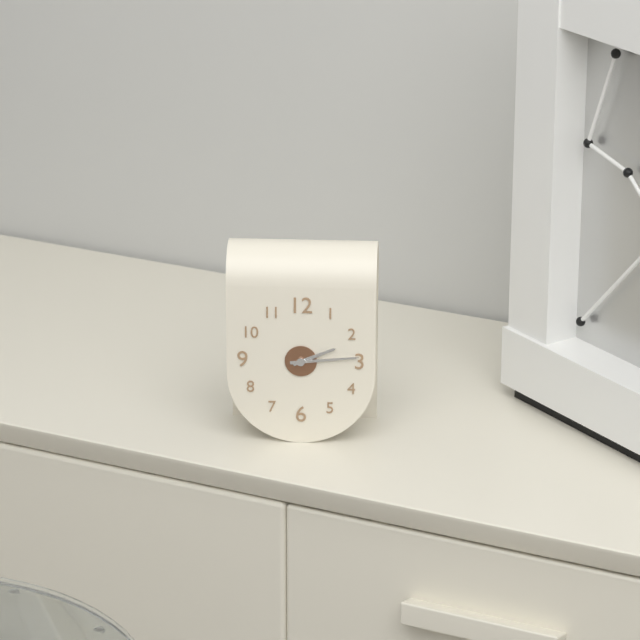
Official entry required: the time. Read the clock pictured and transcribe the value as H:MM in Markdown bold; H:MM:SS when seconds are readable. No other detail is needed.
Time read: **2:14**
